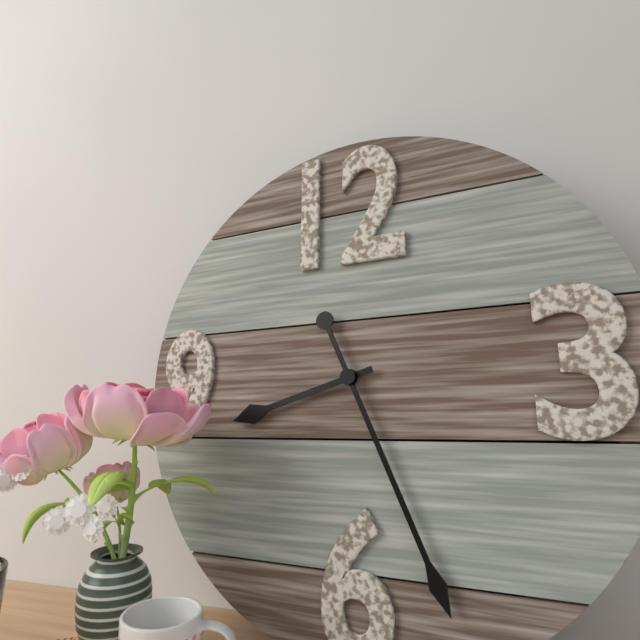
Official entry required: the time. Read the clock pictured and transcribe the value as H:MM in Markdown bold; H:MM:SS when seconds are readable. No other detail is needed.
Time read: **8:26**
